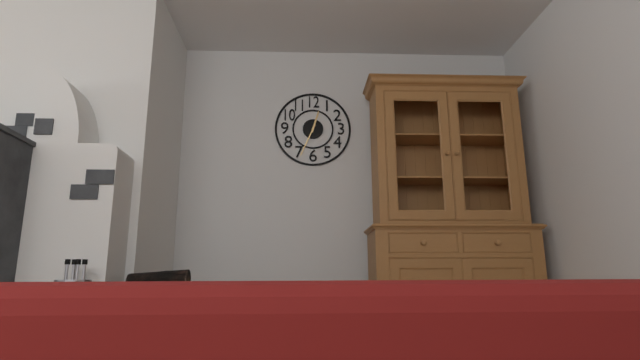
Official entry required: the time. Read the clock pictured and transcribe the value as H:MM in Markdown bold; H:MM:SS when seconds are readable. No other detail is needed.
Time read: **12:34**
